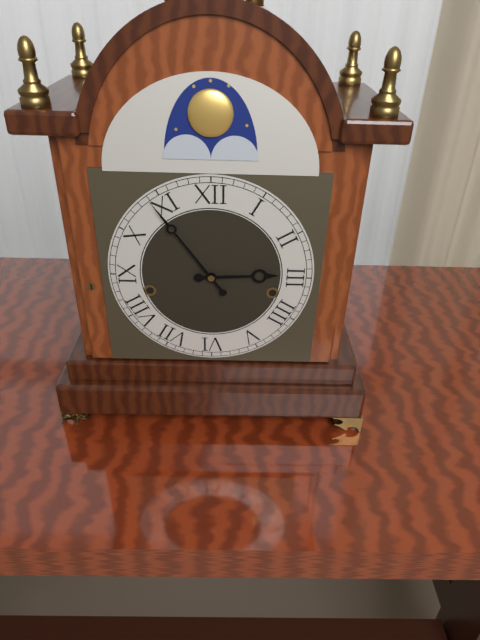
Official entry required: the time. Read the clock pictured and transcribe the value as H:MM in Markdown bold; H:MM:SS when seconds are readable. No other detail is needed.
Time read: **2:54**
